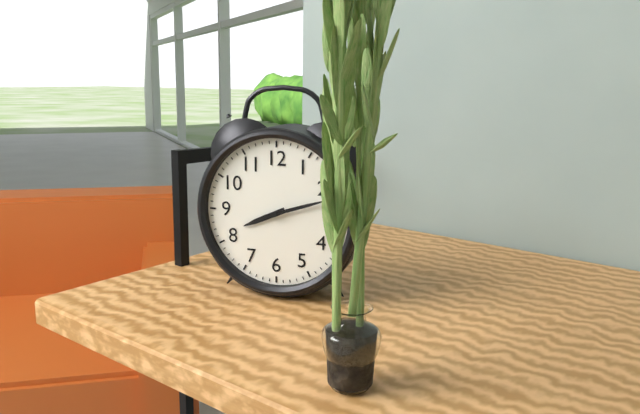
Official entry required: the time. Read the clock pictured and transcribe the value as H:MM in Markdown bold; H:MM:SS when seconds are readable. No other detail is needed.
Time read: **8:12**
